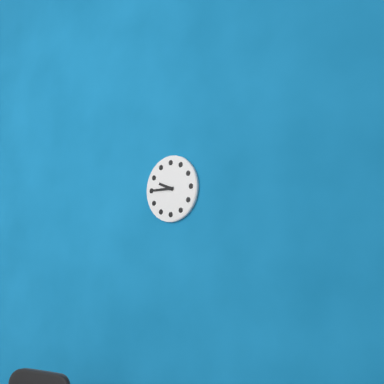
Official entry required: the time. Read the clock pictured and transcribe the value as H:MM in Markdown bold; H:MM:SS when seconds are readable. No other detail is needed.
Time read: **9:45**
